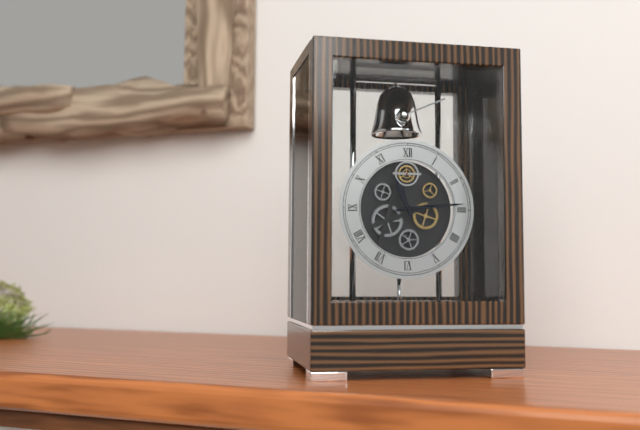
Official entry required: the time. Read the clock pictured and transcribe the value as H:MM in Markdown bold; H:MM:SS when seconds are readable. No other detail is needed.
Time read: **11:14**
